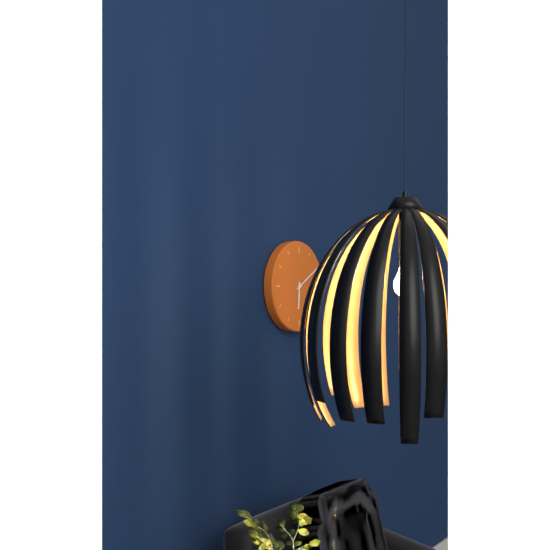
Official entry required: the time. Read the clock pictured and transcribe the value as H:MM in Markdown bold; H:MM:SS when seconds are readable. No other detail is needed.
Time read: **6:10**
